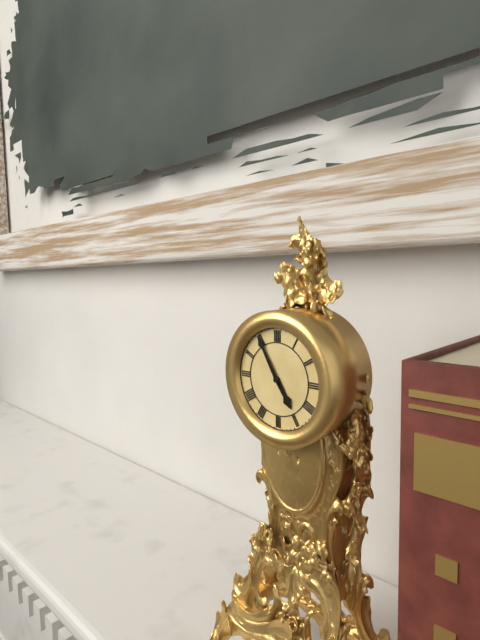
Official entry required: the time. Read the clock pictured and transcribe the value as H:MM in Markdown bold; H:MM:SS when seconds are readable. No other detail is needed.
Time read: **4:55**
